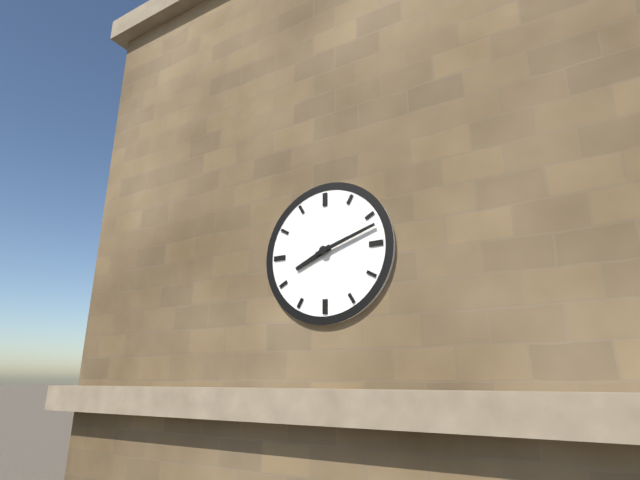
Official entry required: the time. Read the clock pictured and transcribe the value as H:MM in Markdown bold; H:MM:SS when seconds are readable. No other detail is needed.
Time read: **8:12**
